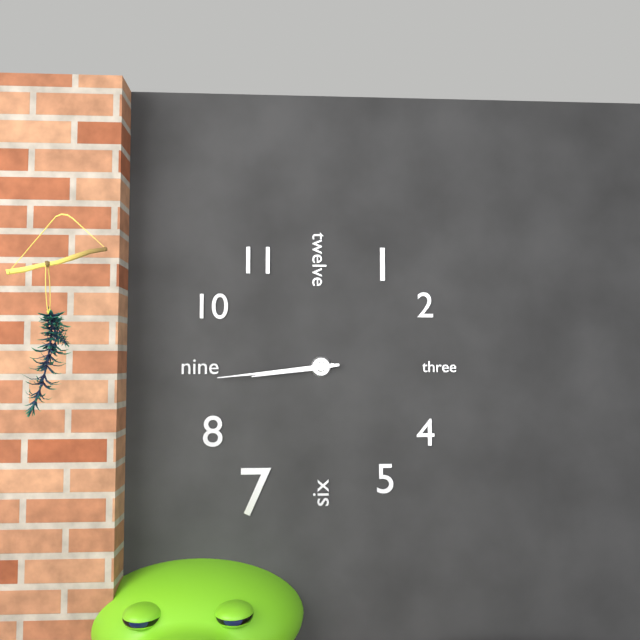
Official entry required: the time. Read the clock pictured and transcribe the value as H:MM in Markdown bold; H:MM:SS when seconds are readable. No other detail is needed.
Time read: **8:44**
